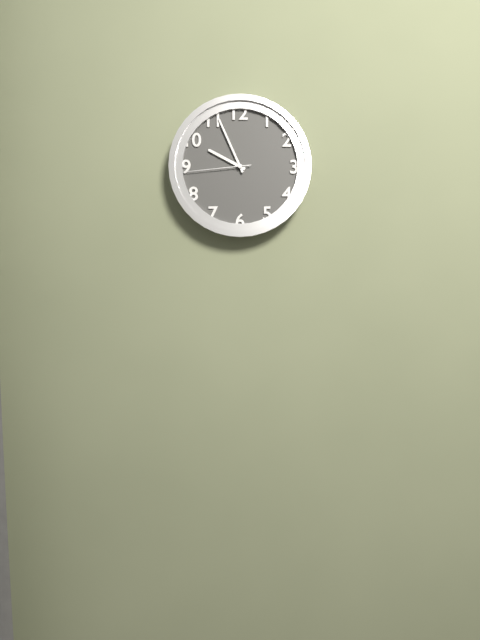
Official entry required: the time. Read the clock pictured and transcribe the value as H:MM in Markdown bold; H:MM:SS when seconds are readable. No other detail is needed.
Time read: **9:56:44**
